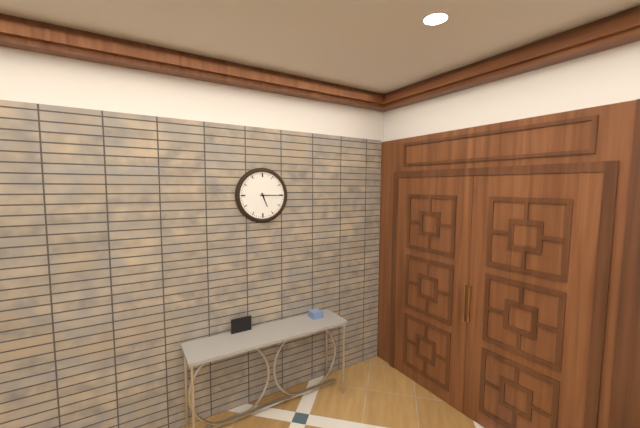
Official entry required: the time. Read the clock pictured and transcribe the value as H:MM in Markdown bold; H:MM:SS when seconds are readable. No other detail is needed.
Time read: **5:15**
